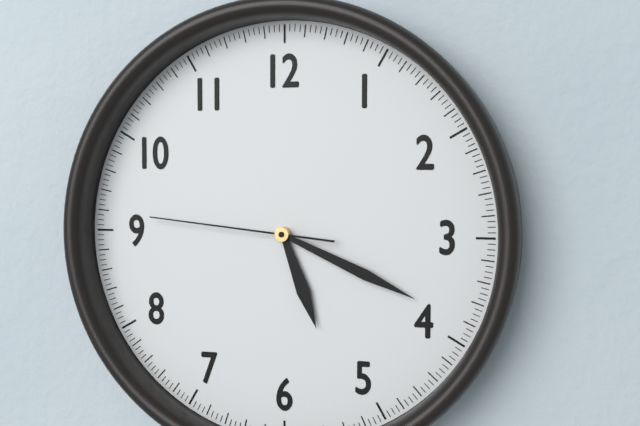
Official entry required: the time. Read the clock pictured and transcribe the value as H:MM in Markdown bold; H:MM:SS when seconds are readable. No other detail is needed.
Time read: **5:19:46**
